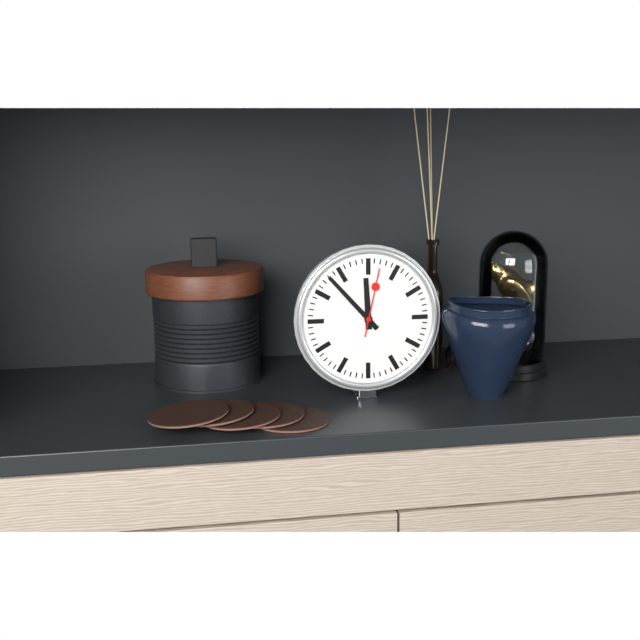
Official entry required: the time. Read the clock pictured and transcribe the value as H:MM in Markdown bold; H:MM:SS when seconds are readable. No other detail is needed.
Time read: **11:53:02**
